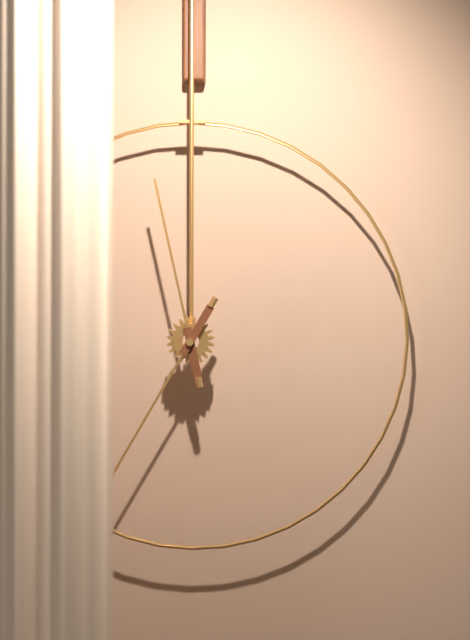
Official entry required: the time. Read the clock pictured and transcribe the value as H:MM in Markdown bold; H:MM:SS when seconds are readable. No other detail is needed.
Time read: **11:35**
